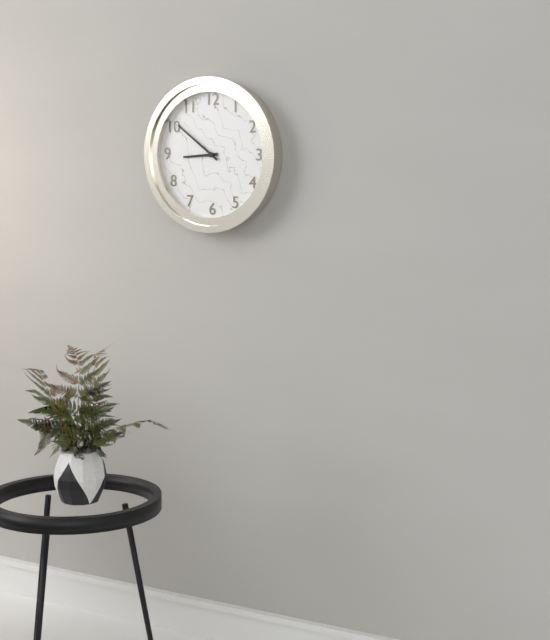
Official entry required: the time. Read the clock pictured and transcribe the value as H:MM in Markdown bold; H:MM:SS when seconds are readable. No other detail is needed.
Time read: **8:51**
